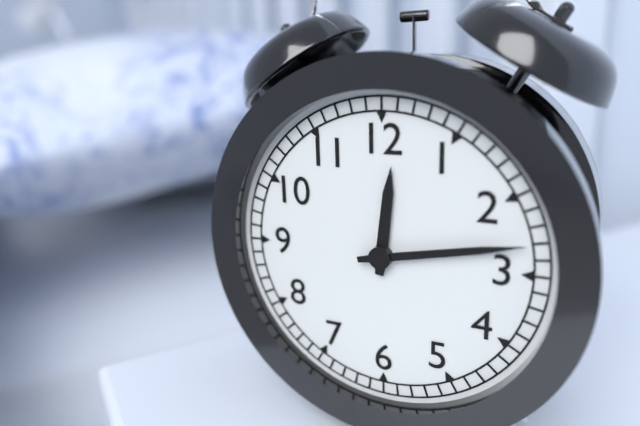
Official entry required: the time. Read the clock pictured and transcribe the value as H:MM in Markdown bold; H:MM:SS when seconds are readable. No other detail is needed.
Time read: **12:13**
